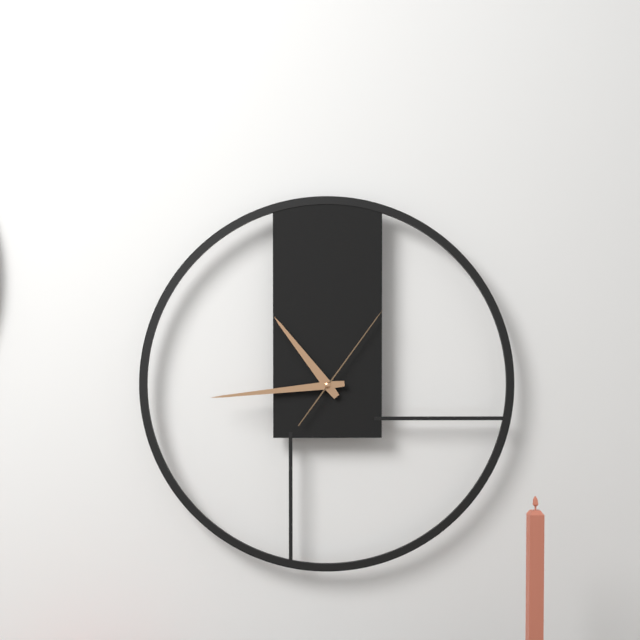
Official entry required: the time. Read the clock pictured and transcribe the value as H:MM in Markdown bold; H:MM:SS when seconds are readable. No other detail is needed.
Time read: **10:44:06**
